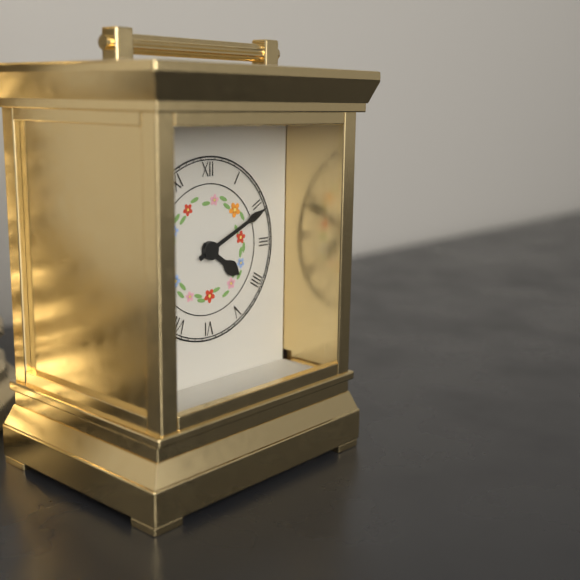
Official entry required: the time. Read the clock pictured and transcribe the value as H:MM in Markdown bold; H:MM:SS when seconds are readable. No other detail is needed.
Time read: **4:11**
